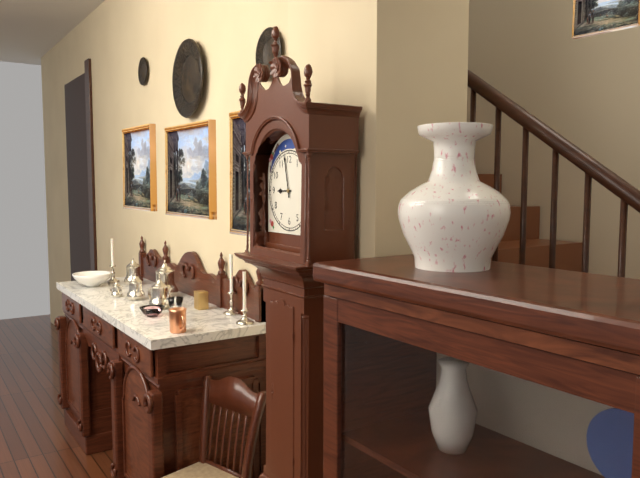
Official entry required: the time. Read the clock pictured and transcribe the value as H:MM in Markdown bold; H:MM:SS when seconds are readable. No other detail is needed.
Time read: **8:58**
